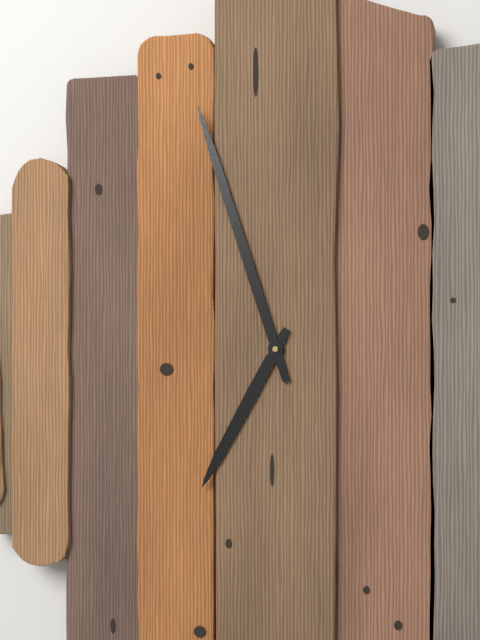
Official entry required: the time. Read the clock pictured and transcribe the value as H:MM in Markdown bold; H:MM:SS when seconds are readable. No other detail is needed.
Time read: **6:57**
